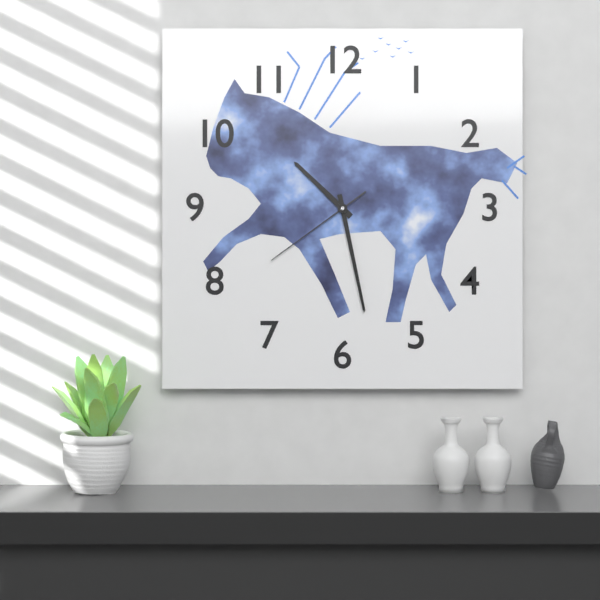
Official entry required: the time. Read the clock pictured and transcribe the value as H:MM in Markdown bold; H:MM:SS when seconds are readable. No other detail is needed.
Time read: **10:28:39**
